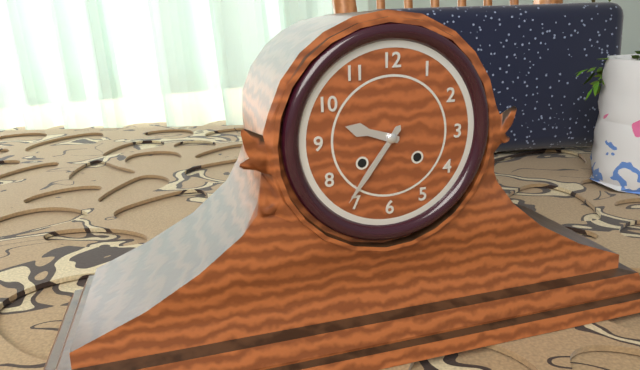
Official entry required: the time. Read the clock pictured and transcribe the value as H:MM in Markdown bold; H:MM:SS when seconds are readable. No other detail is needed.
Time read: **9:36**
